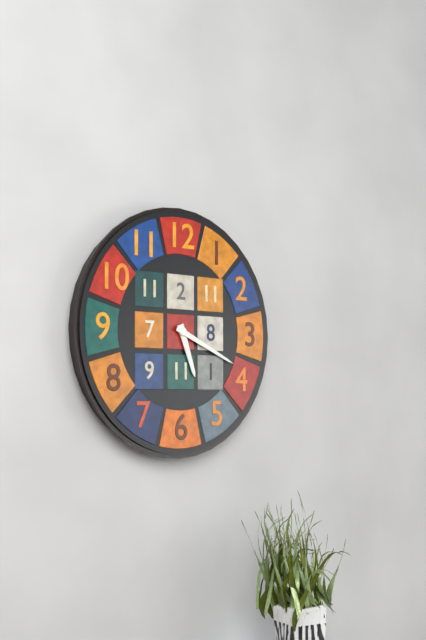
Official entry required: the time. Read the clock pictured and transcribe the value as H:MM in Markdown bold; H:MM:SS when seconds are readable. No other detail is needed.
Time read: **5:19**
